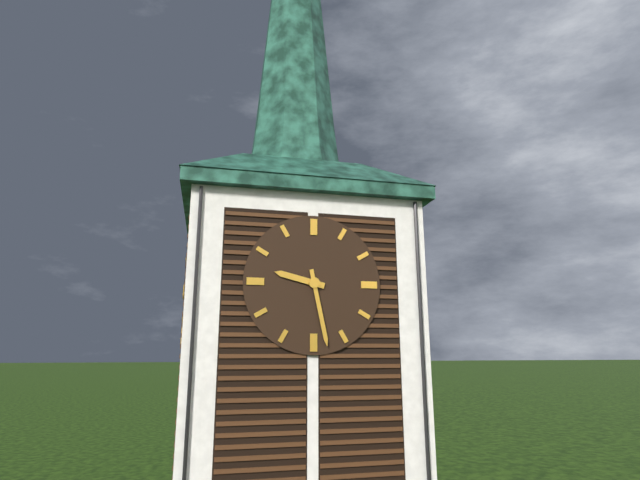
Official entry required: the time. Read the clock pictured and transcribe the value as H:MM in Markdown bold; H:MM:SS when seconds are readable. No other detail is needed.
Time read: **9:28**
